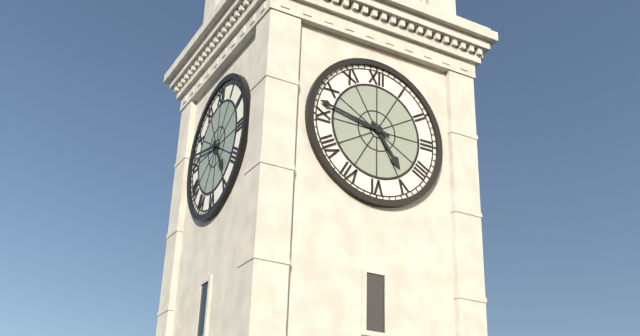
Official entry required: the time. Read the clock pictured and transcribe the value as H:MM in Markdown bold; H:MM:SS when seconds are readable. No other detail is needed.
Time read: **4:47**
